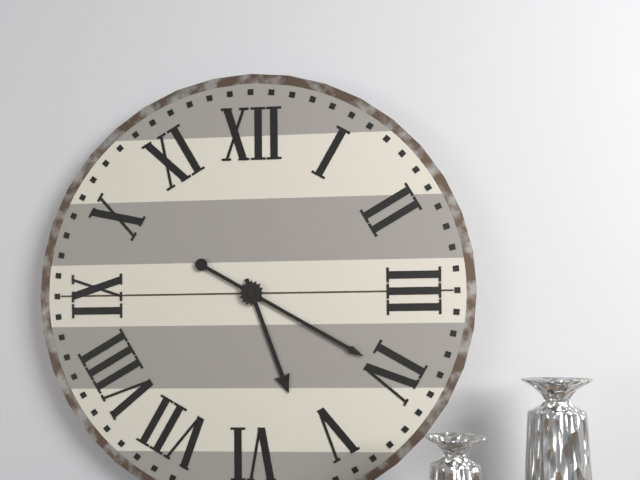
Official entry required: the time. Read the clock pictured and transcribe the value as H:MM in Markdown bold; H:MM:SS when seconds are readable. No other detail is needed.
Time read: **5:20**
